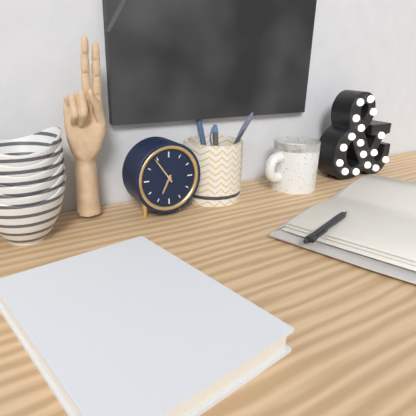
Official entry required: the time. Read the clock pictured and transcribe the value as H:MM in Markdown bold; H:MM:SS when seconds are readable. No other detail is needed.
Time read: **6:54**
